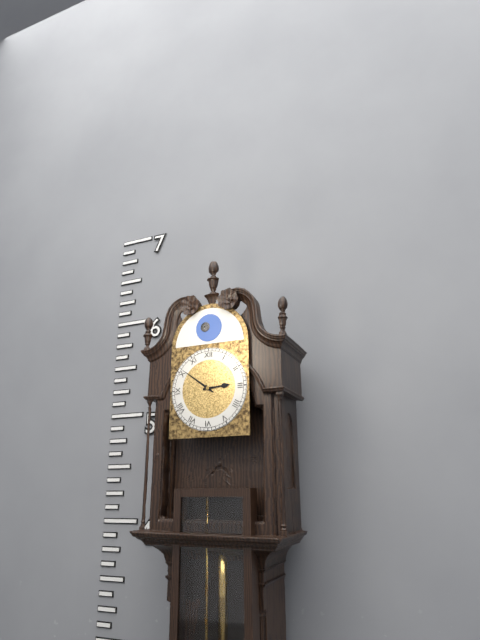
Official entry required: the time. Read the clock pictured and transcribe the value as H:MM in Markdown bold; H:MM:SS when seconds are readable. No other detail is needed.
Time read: **2:51**
